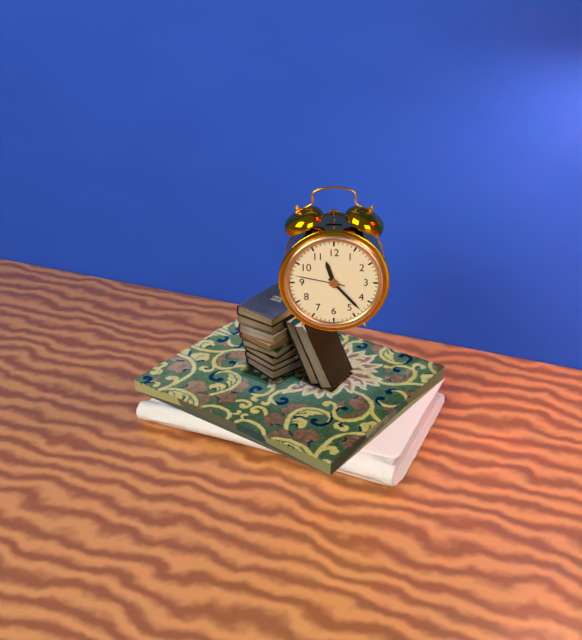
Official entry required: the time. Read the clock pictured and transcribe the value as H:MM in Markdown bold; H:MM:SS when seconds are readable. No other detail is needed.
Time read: **11:23:47**
